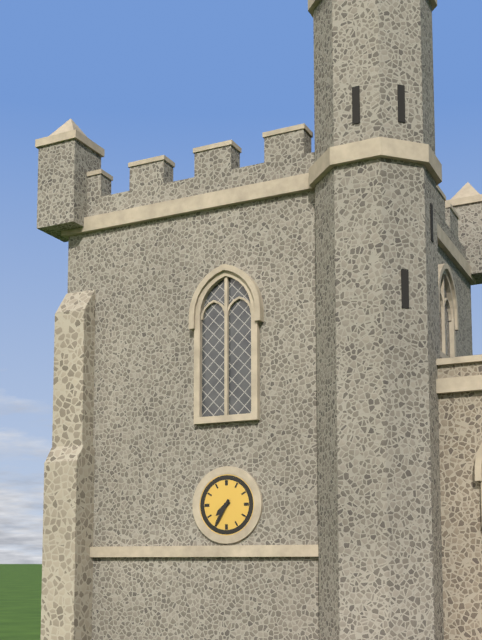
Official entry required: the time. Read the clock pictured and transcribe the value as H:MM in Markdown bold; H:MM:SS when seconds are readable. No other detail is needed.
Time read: **7:35**
